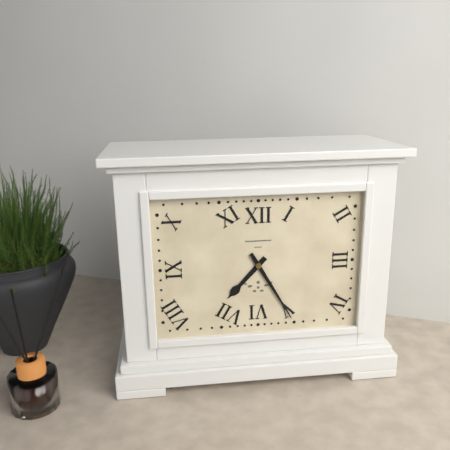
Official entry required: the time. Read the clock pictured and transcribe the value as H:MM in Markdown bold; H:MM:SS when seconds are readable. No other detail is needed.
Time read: **7:25**
